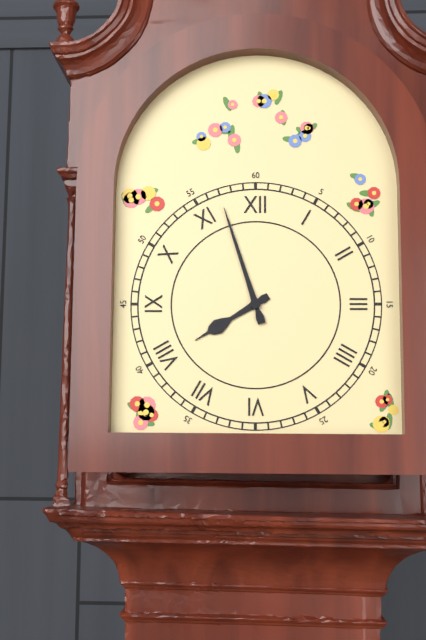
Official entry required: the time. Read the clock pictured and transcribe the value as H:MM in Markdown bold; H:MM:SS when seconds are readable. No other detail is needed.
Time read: **7:57**
